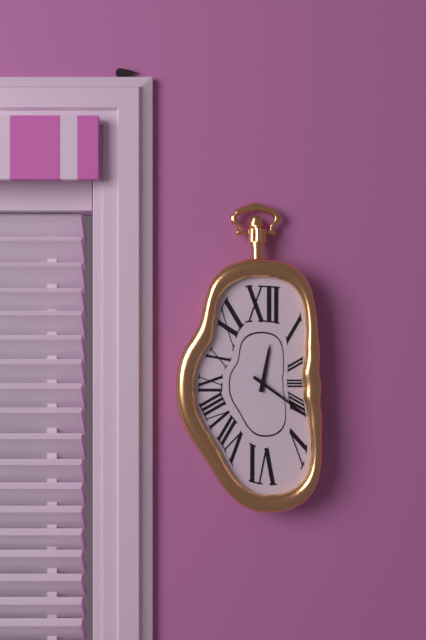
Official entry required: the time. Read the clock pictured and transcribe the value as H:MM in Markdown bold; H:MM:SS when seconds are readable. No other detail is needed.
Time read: **12:21**
